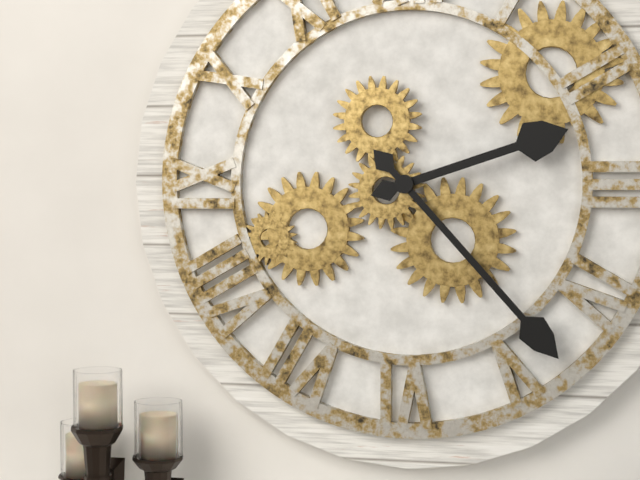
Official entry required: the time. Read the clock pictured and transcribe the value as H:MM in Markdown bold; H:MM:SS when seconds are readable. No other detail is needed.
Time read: **2:23**
